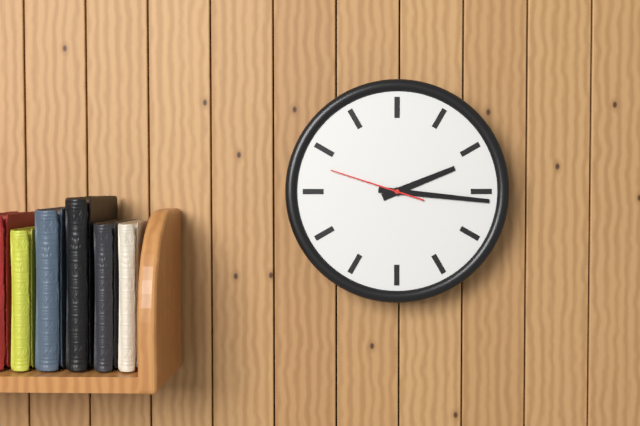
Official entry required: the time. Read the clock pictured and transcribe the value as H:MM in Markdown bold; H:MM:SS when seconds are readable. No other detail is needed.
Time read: **2:16:48**
